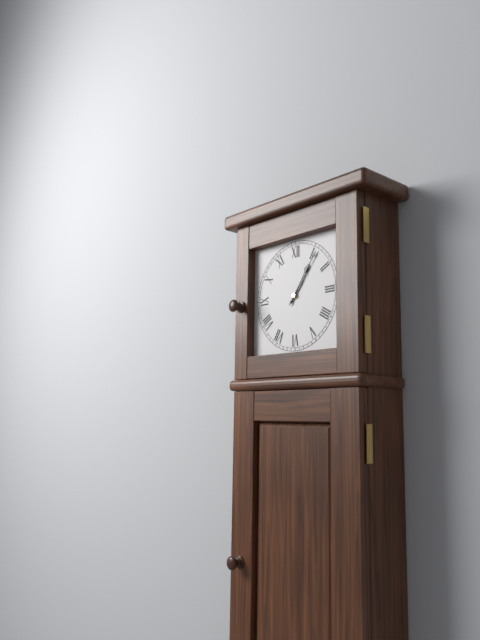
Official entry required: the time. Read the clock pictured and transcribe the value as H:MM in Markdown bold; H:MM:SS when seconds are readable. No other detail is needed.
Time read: **1:06**
